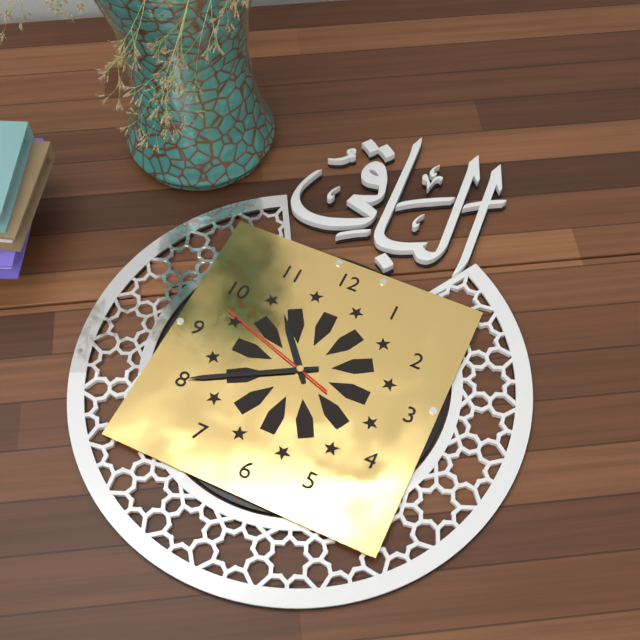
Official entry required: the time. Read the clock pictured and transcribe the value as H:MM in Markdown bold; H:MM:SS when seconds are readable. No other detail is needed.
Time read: **10:40:48**
